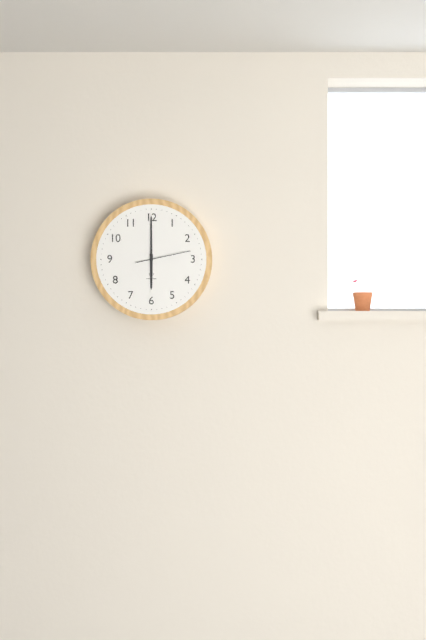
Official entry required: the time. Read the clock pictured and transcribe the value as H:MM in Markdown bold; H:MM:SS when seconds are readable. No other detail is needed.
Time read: **6:00:13**
